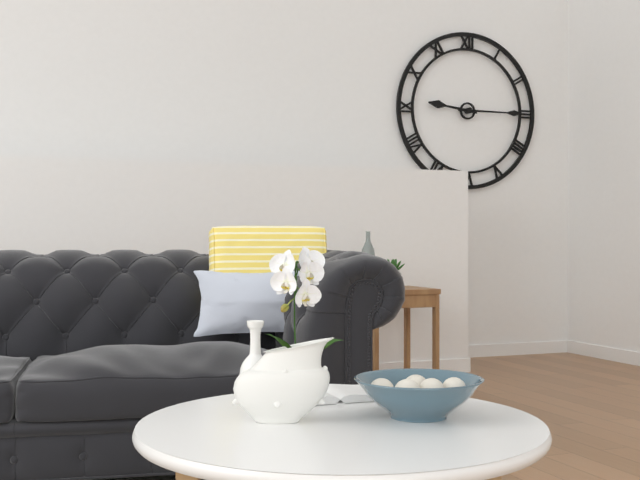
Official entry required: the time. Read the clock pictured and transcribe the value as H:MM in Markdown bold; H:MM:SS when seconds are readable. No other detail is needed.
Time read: **9:15**
